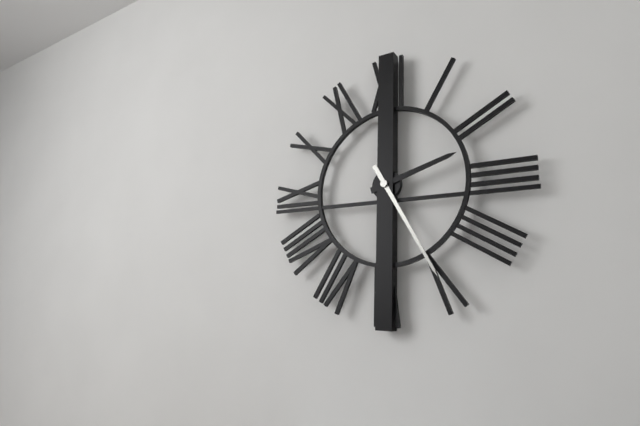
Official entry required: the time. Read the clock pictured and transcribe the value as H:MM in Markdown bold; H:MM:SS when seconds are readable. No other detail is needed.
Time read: **2:25**
